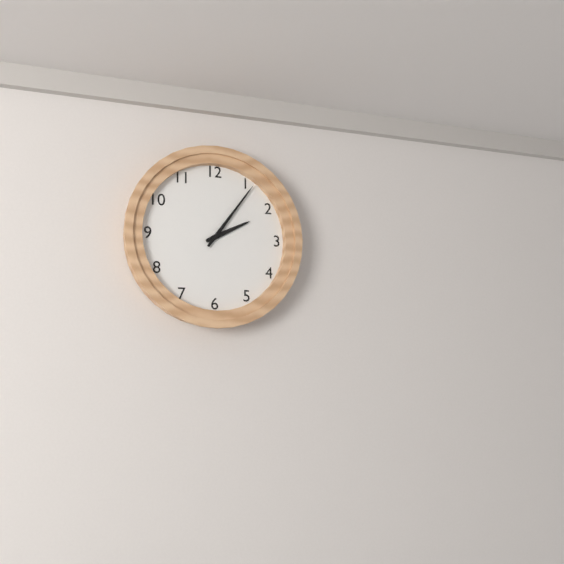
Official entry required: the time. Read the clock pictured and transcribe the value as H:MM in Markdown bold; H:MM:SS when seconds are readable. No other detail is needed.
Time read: **2:06**
